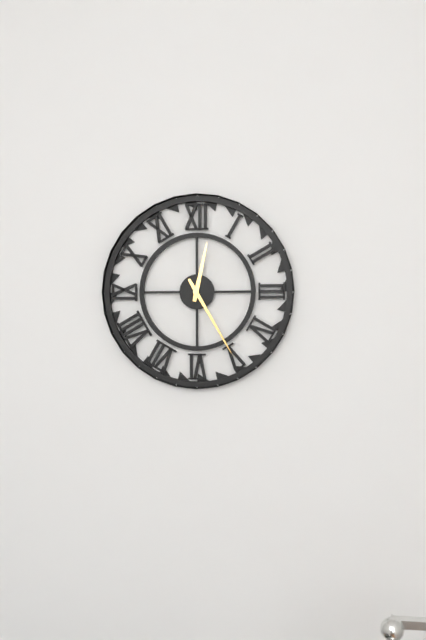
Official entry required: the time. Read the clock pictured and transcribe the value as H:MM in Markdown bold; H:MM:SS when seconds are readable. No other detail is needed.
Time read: **12:25**
